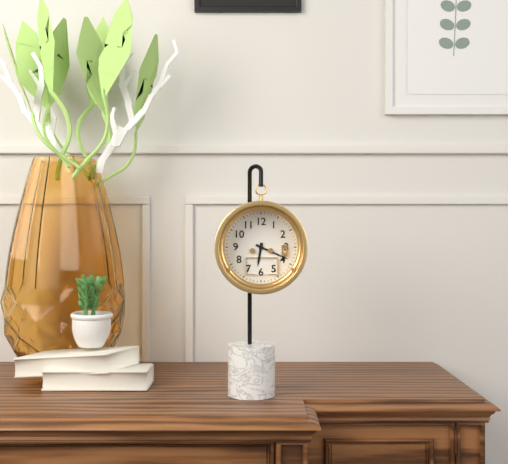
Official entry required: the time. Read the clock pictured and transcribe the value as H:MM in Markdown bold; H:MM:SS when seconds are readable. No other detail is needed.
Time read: **6:19**
